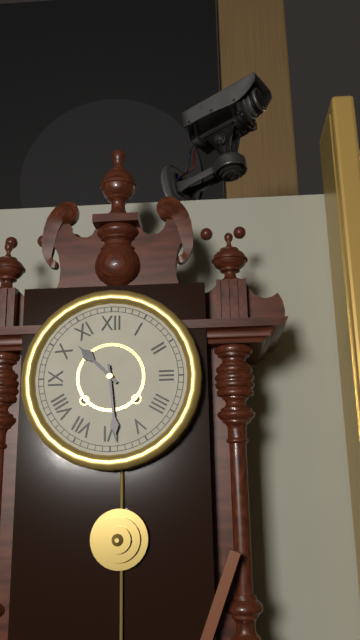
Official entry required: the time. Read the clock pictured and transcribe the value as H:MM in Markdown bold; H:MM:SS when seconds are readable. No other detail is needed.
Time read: **10:29**
